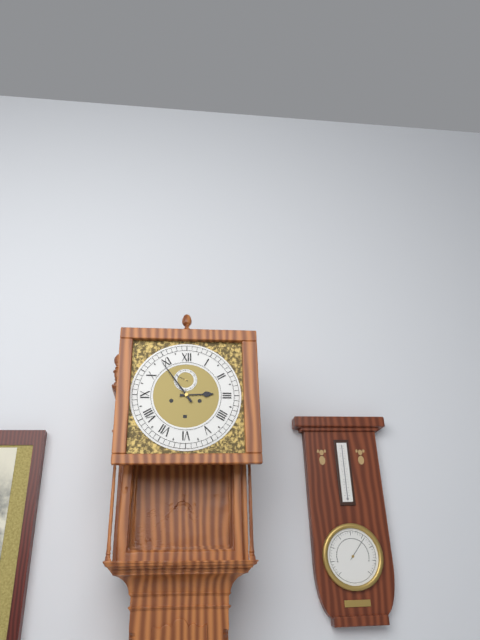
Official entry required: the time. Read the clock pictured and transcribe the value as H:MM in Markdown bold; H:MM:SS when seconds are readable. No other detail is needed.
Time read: **2:54**
